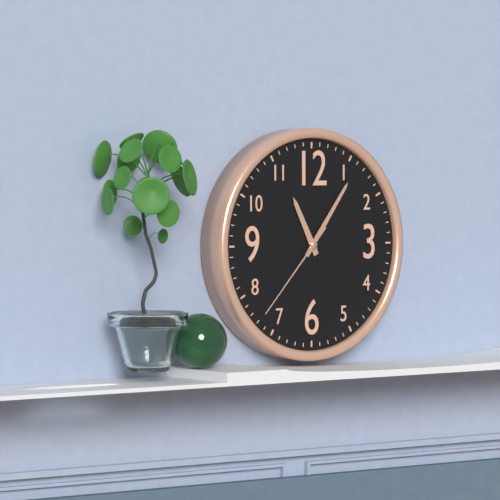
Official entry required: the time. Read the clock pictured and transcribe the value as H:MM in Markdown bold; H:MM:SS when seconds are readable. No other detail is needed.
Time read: **11:06:37**
